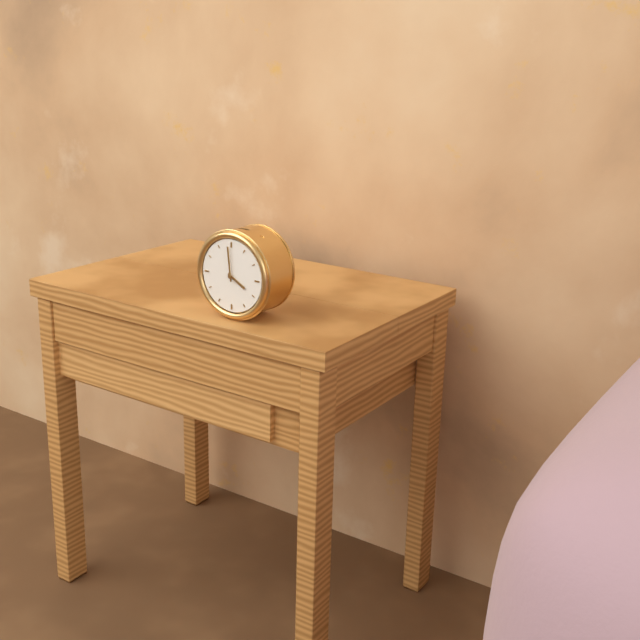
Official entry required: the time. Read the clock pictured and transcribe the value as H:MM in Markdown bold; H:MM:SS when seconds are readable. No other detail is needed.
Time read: **3:59**
